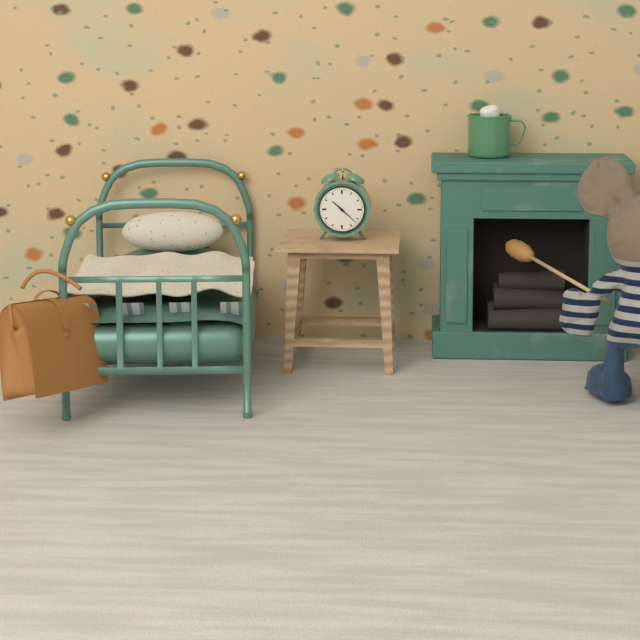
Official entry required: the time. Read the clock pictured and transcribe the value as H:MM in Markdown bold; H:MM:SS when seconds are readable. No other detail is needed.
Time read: **10:22**
